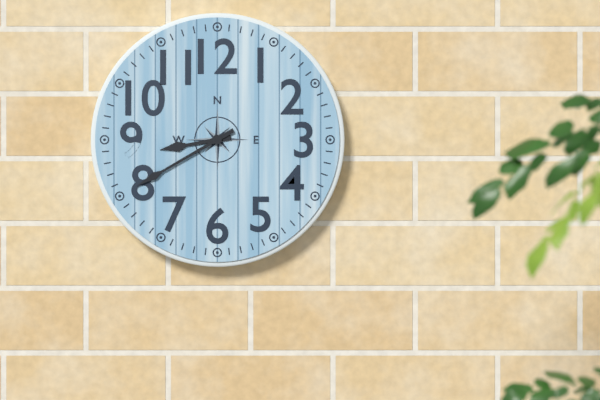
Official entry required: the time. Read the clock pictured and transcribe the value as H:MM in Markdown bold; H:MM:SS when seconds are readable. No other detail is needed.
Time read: **8:40**
